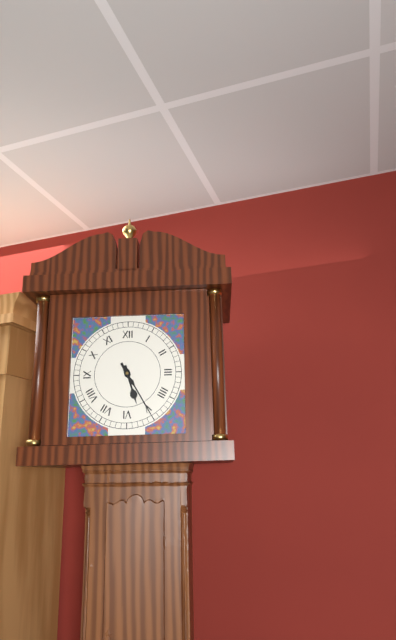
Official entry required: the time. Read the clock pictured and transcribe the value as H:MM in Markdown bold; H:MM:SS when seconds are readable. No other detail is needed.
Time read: **5:25**
